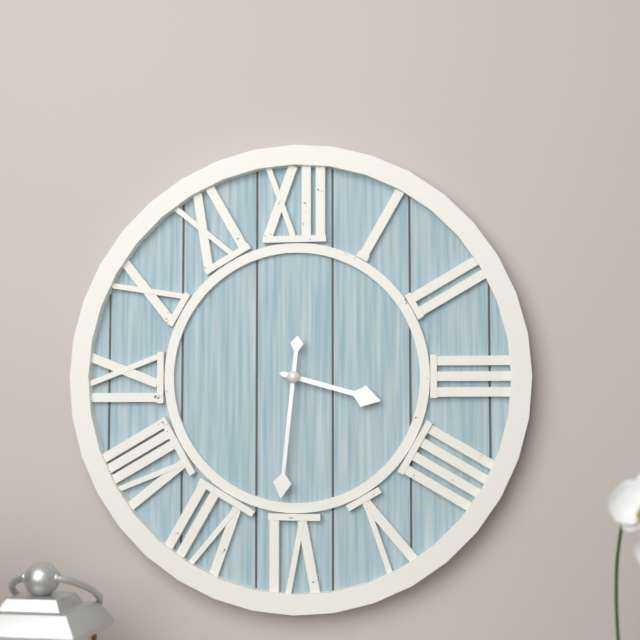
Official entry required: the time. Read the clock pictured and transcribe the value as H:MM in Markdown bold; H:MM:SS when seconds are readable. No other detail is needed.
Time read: **3:31**
